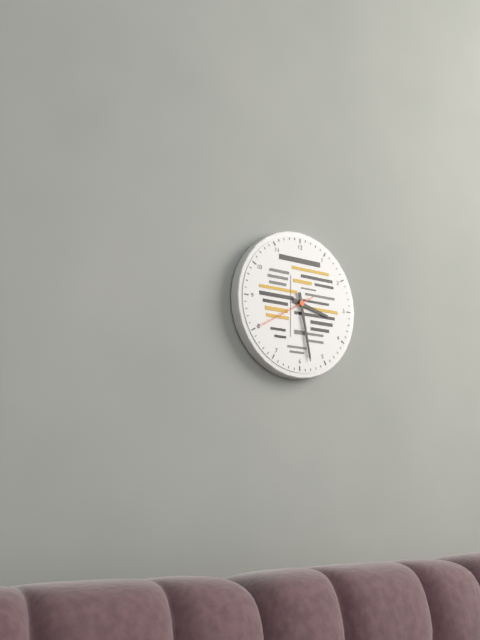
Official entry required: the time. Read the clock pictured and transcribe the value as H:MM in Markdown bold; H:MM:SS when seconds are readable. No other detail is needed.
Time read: **3:28:40**
